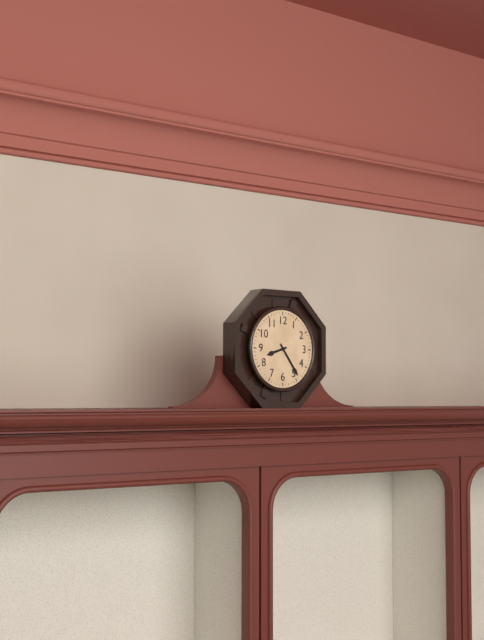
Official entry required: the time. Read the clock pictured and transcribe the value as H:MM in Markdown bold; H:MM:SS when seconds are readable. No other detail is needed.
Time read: **8:24**
